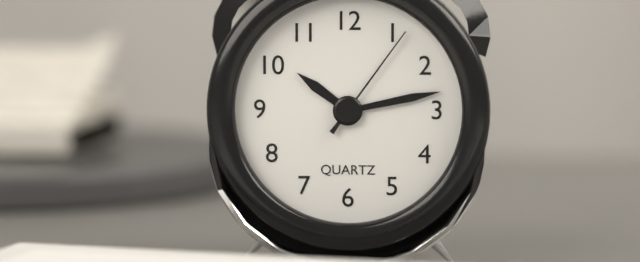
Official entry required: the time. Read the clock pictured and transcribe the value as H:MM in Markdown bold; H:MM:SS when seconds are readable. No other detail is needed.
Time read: **10:13:06**
